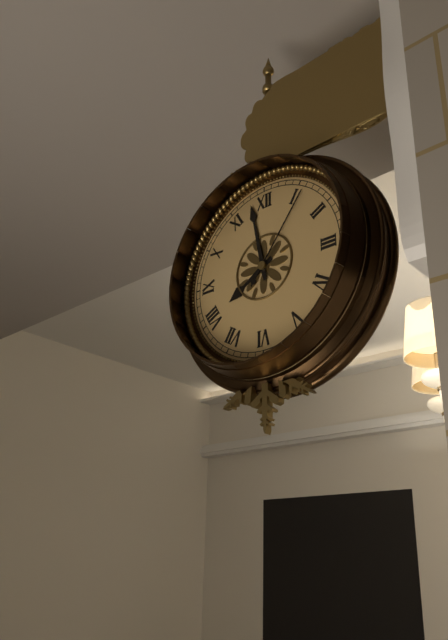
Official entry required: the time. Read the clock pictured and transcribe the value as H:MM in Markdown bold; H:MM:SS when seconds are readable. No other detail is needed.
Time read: **7:58:06**
